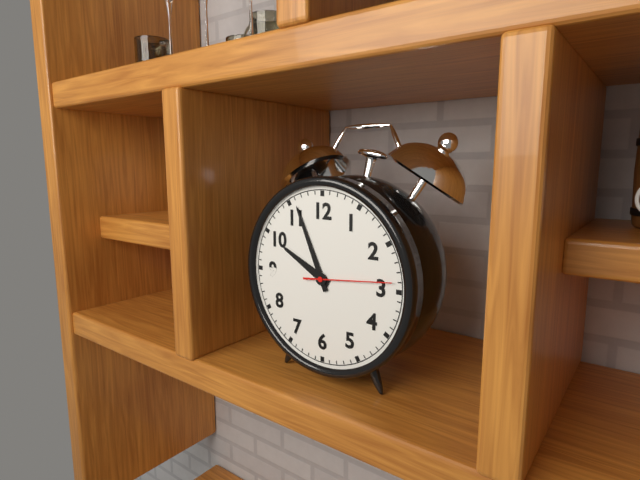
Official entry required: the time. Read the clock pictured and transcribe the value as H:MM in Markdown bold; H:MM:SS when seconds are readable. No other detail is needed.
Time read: **9:56:14**
